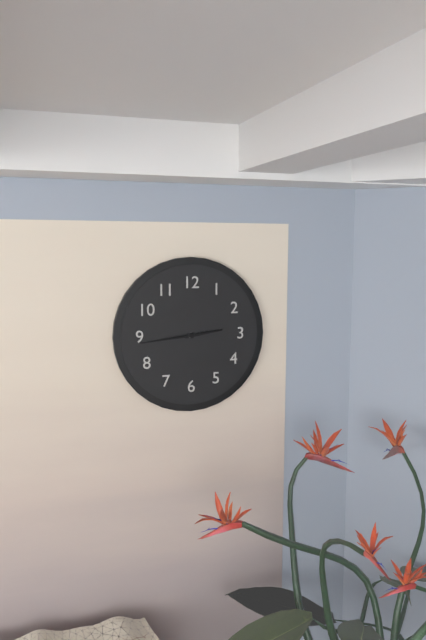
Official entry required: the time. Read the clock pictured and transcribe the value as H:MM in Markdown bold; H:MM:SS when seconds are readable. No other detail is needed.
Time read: **2:44**
